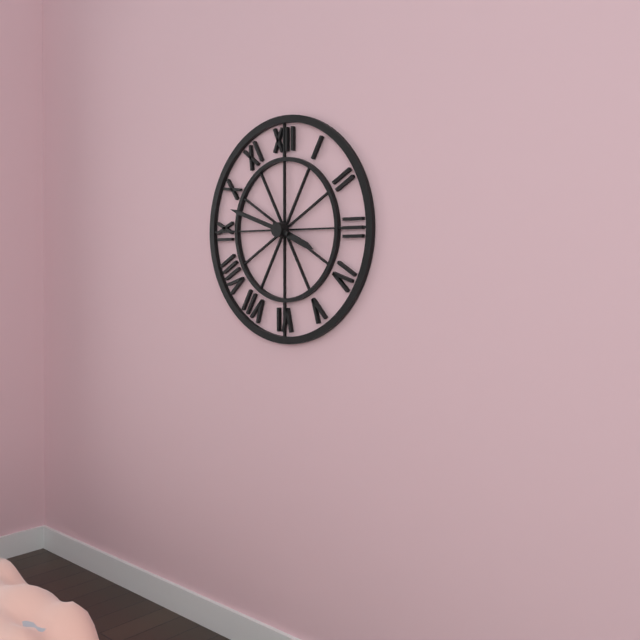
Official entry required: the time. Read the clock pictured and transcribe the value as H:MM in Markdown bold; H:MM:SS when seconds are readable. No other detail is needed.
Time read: **3:48**
